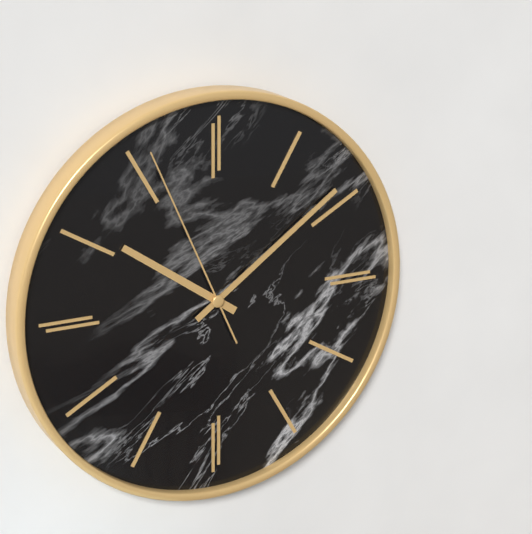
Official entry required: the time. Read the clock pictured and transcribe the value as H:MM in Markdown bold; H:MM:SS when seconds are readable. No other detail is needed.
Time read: **10:09:56**
